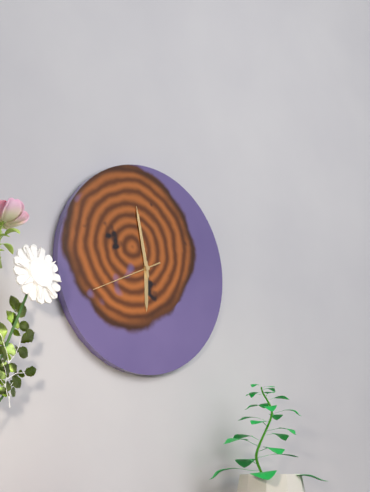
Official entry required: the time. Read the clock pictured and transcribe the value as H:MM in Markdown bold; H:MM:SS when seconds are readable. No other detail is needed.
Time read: **5:58:41**
